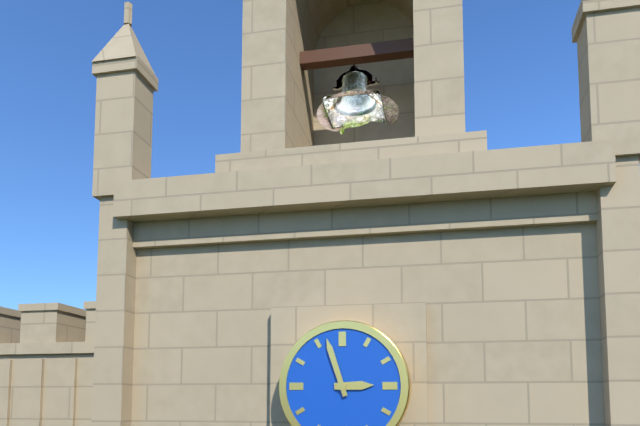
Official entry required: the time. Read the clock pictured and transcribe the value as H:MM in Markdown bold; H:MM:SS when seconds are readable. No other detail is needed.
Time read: **2:57**
